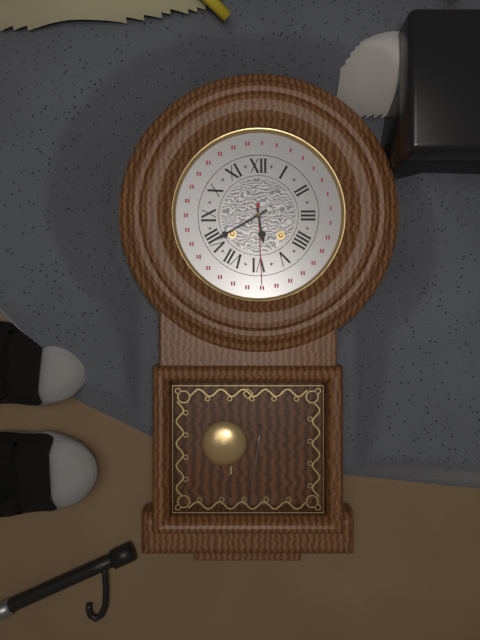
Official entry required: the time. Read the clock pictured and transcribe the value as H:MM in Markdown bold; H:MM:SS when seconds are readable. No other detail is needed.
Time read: **5:40**
